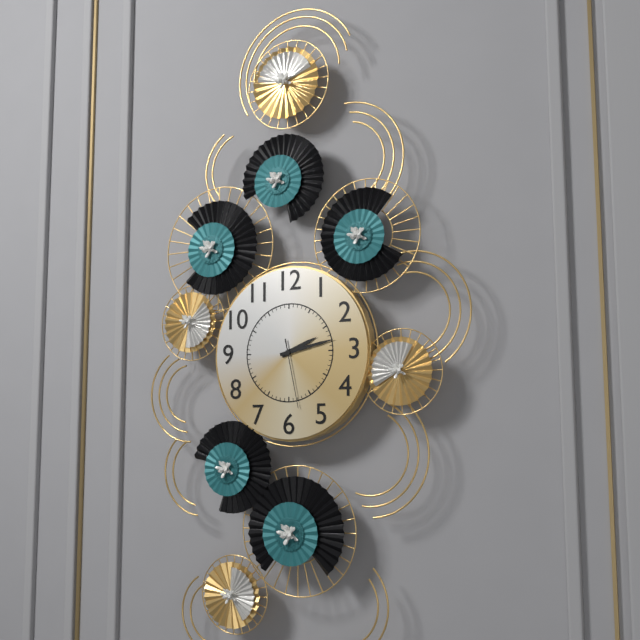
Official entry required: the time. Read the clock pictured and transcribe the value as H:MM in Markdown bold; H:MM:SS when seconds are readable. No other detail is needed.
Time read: **2:13:28**
